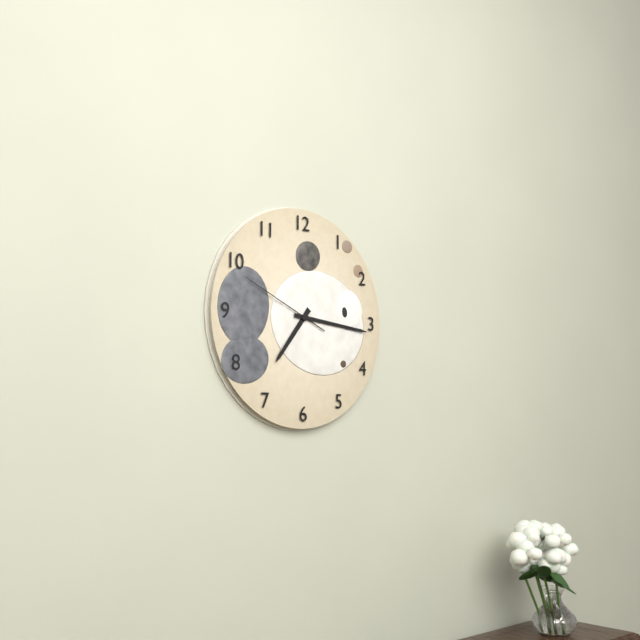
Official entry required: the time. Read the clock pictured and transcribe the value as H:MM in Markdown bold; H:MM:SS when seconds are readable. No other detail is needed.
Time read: **7:16:49**
